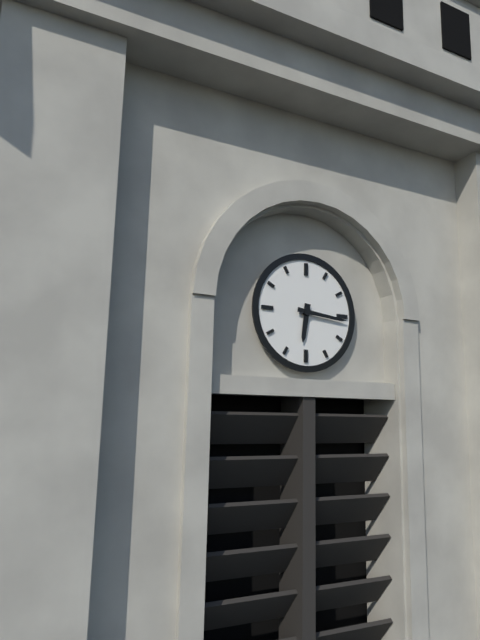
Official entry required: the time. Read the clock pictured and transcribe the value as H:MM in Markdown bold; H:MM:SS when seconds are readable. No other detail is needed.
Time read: **6:16**
